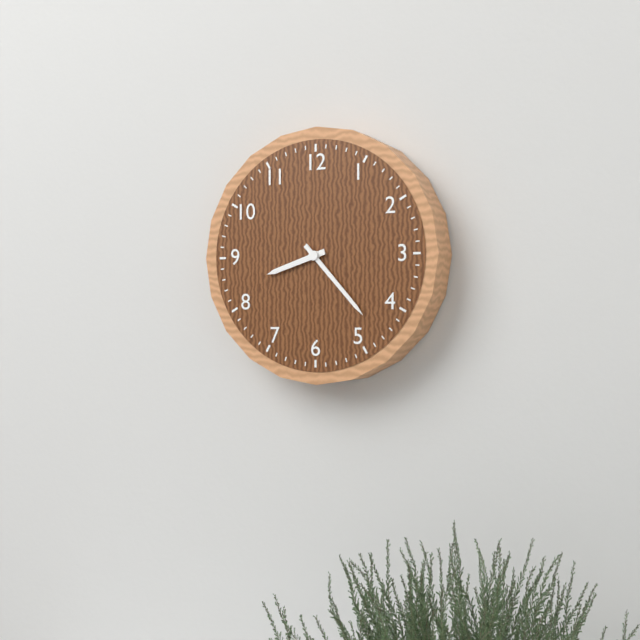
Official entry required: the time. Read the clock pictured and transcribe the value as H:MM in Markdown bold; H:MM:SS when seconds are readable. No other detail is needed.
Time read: **8:23**
